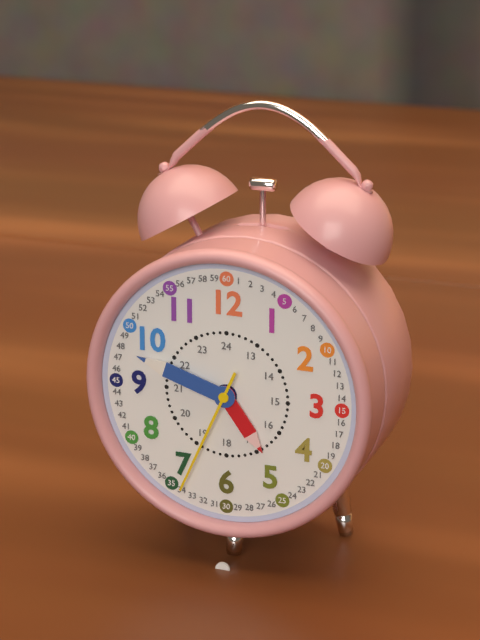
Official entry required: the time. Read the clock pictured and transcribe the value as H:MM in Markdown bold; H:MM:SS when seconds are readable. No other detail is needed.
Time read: **4:48:34**
